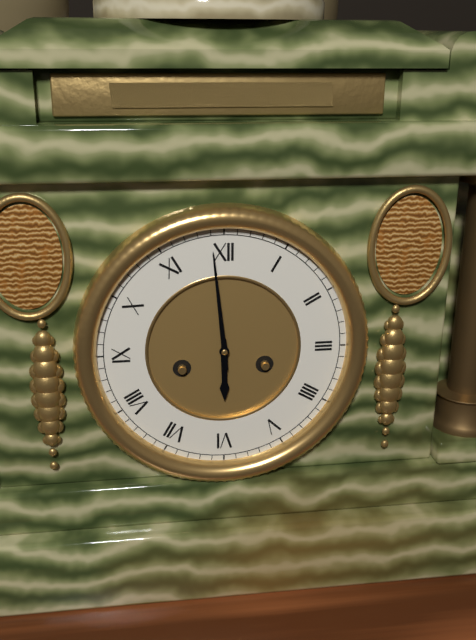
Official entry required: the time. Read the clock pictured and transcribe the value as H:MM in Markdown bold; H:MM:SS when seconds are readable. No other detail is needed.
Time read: **5:59**
